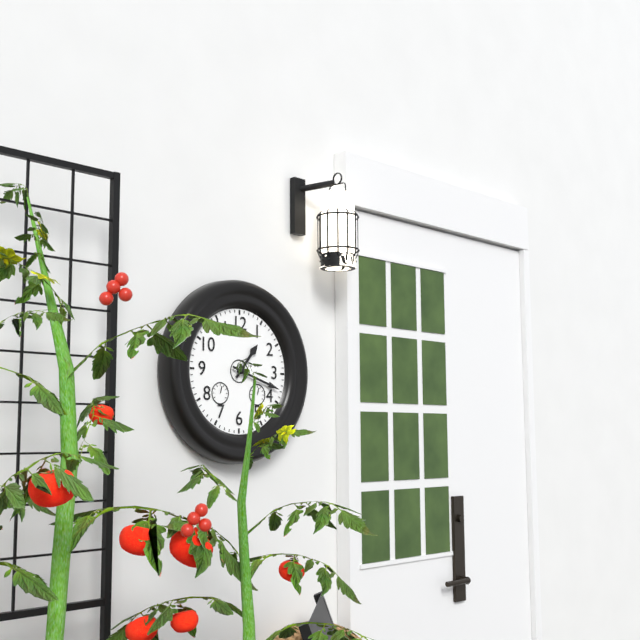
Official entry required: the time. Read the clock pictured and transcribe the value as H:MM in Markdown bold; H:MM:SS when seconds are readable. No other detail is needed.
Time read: **1:18**
